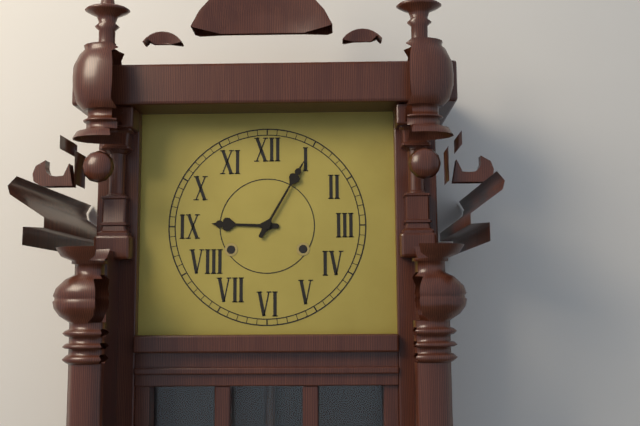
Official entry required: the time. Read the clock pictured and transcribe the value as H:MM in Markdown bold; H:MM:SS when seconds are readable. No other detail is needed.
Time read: **9:05**
